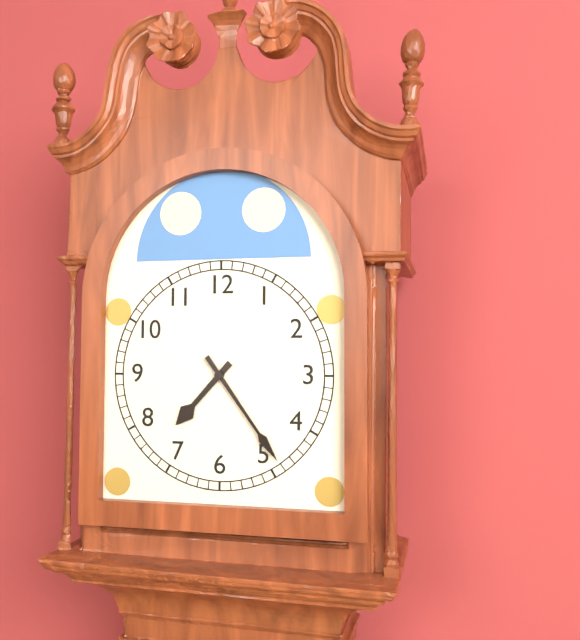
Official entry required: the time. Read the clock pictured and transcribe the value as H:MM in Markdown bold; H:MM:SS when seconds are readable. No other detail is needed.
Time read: **7:24**
